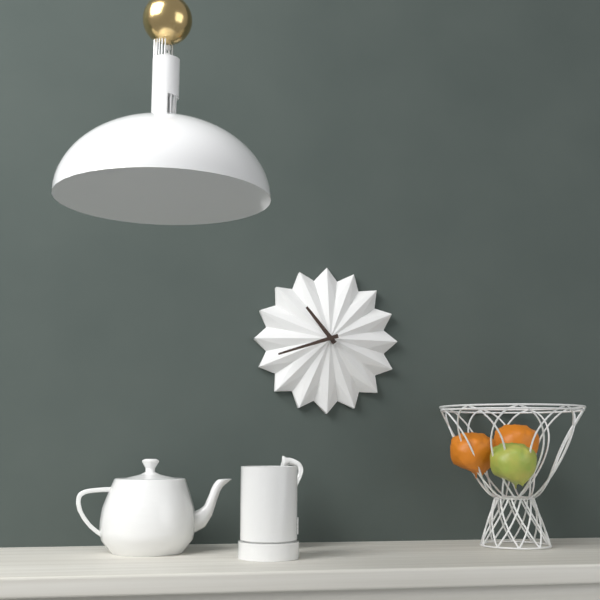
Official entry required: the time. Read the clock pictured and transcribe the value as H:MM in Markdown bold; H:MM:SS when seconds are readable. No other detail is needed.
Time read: **10:42**
